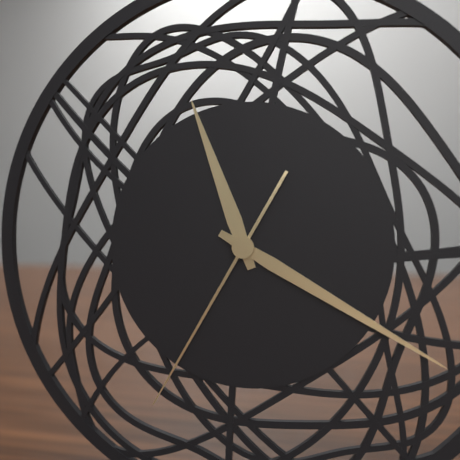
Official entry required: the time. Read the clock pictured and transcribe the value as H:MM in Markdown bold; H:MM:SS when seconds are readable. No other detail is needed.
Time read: **11:20:35**
